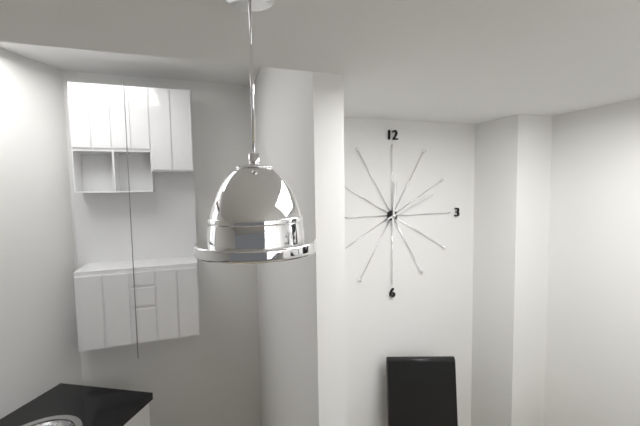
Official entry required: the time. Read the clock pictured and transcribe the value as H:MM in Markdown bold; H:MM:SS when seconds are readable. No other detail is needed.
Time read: **12:11**
